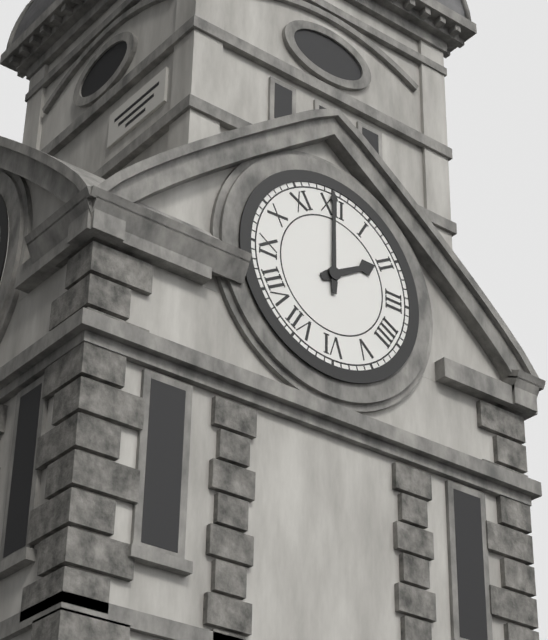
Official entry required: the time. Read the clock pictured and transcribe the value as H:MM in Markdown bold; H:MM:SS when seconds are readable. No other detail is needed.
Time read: **2:00**
